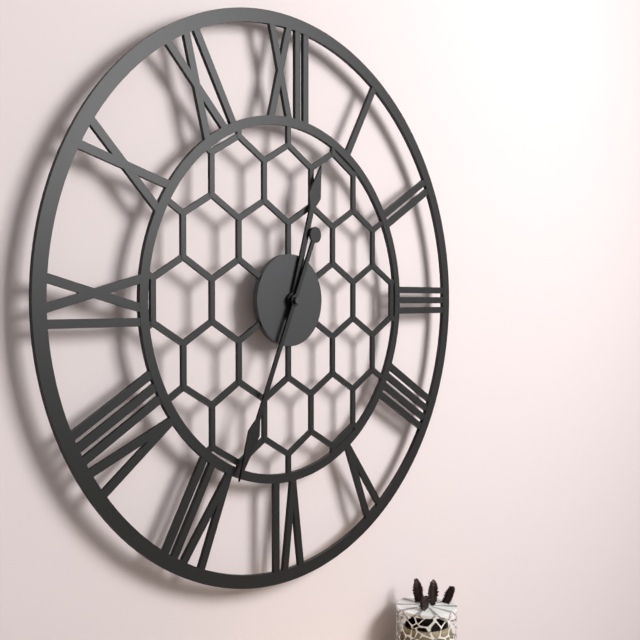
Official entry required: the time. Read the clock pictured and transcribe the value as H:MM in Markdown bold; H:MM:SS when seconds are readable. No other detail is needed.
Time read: **12:34**
